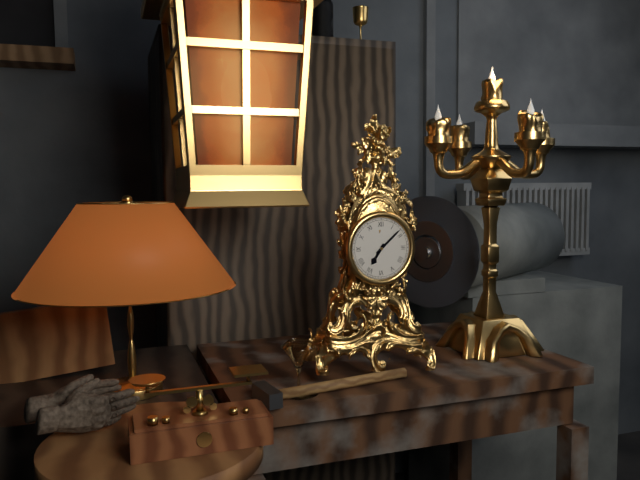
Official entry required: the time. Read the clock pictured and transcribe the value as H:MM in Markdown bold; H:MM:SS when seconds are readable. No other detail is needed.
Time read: **7:08**
